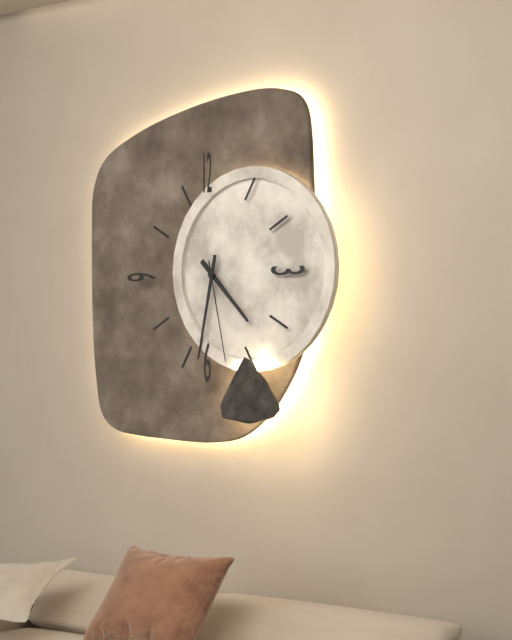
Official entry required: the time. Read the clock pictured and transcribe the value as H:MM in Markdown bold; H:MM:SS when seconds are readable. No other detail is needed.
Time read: **4:32:28**
